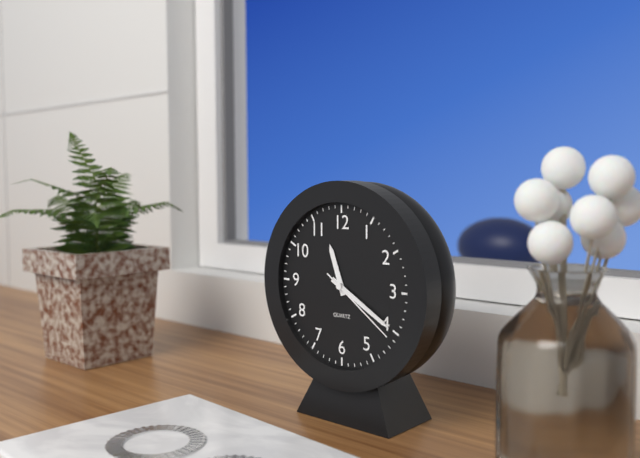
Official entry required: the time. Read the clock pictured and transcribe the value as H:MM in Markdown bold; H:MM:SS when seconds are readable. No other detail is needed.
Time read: **11:20:21**
